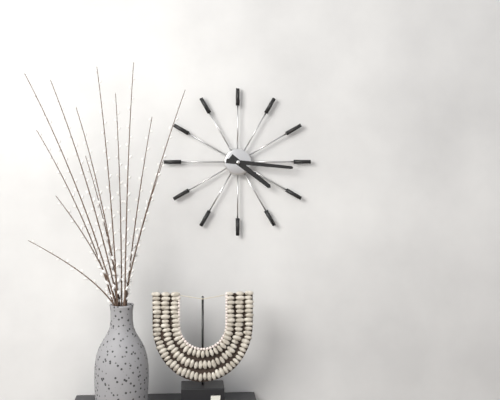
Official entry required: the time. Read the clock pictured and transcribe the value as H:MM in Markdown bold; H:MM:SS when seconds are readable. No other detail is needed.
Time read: **4:16**
